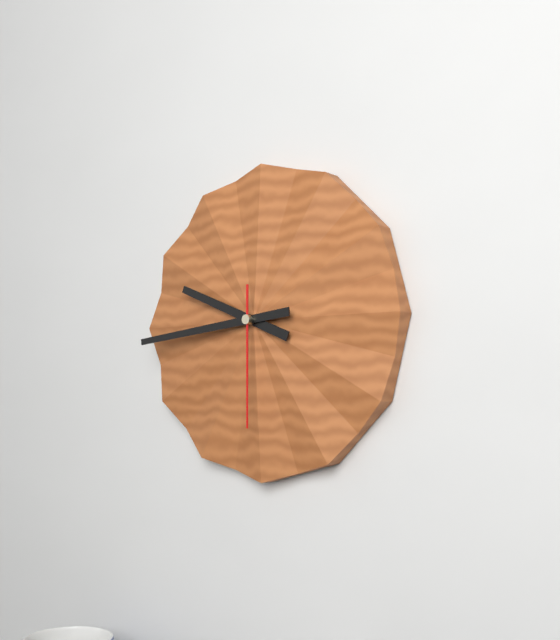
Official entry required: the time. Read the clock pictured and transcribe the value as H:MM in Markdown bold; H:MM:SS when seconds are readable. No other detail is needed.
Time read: **9:44:30**
